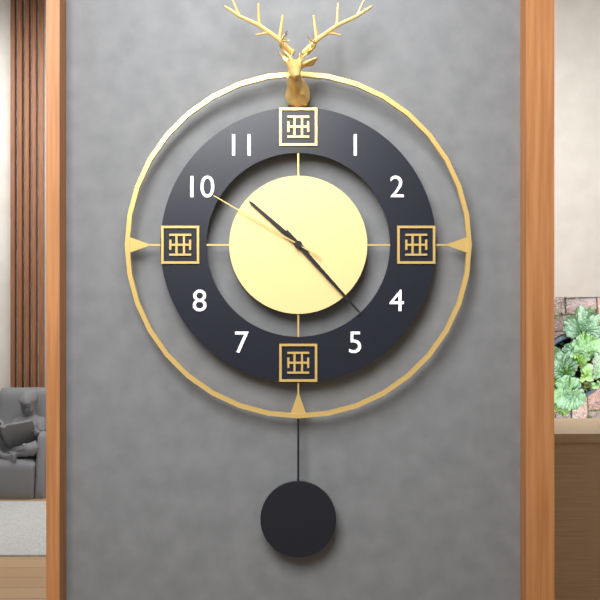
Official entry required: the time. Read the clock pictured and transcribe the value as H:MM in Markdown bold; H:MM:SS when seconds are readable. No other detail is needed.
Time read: **10:23:50**
